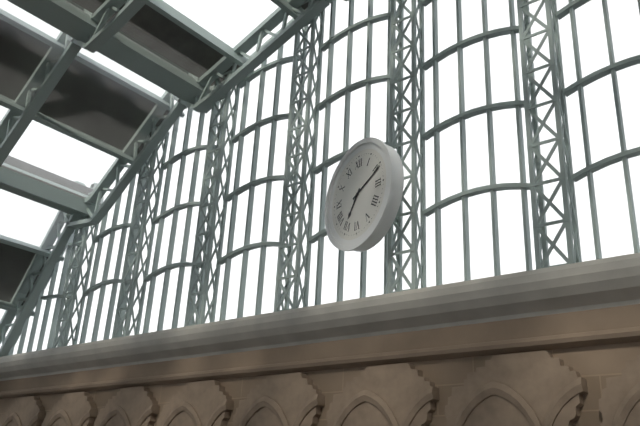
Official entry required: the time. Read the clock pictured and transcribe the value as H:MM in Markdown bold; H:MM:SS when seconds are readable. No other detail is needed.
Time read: **7:11**
